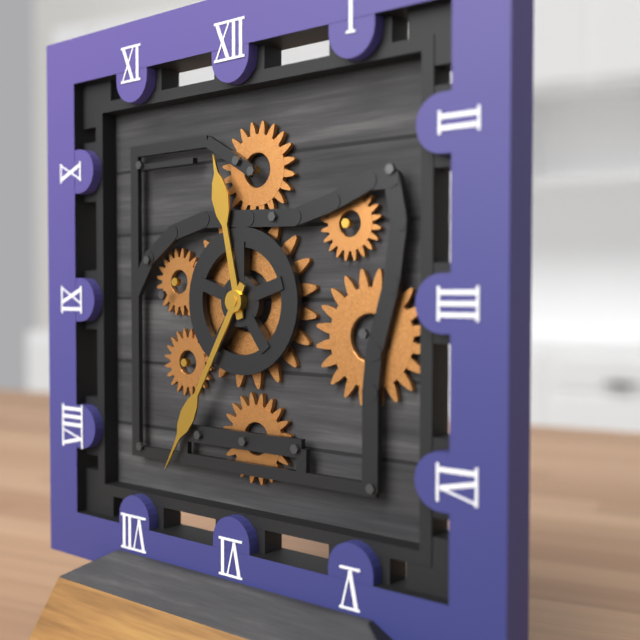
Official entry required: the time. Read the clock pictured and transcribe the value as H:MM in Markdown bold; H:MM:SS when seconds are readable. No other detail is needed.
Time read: **11:35**
